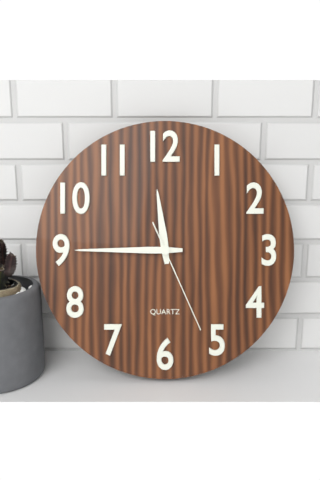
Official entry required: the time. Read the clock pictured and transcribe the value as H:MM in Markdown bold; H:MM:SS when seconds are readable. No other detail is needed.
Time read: **11:45:26**
